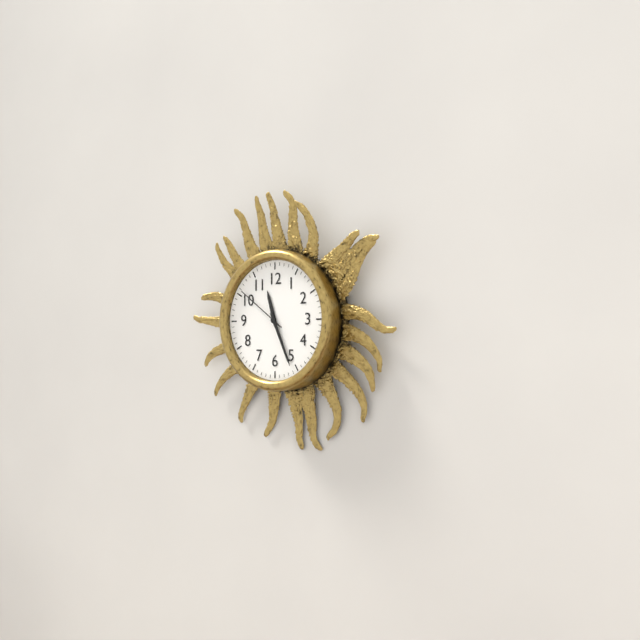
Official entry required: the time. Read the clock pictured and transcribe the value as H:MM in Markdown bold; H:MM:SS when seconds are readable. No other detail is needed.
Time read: **11:26:51**
